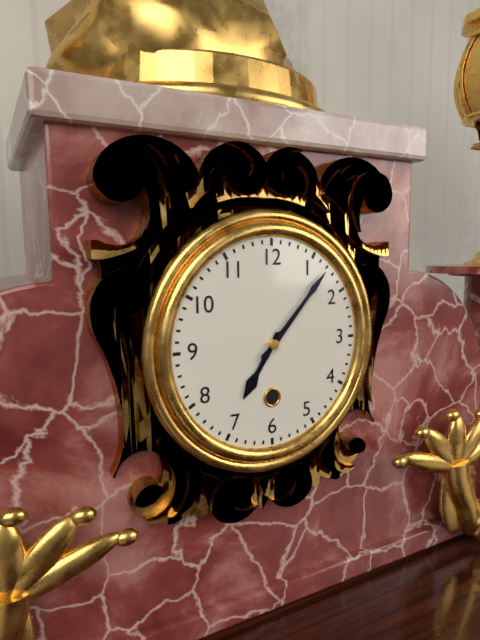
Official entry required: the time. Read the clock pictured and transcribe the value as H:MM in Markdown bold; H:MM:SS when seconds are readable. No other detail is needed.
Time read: **7:07**
